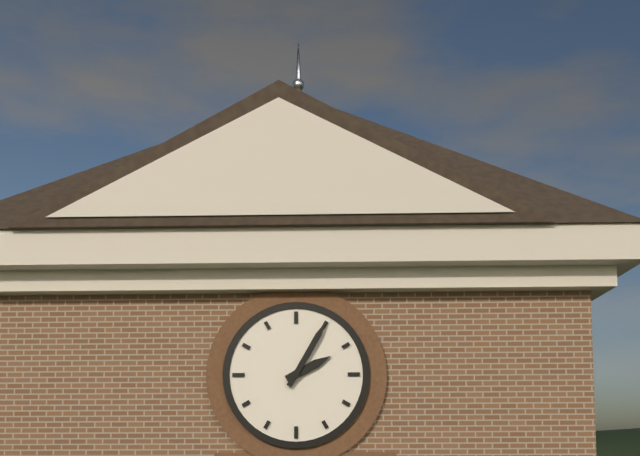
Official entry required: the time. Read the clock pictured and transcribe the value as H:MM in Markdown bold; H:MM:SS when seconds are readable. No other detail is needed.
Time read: **2:05**
